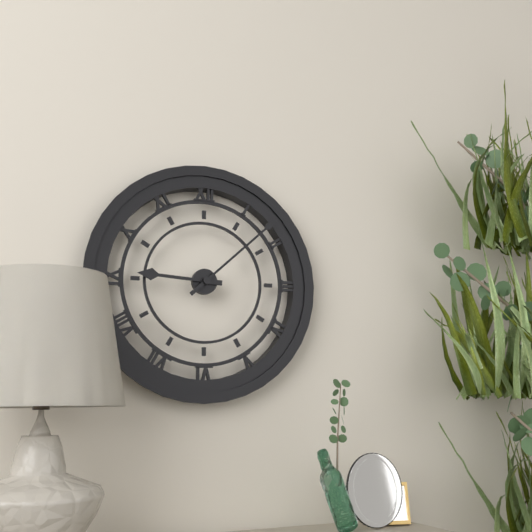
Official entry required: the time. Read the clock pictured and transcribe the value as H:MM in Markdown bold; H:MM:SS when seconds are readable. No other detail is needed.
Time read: **9:08**
